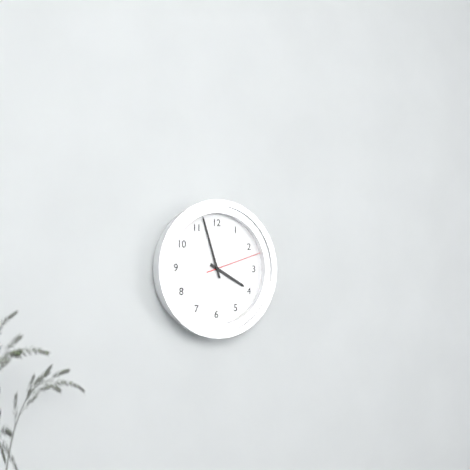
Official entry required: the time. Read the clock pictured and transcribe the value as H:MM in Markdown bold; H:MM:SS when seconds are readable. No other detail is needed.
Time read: **3:57:12**
